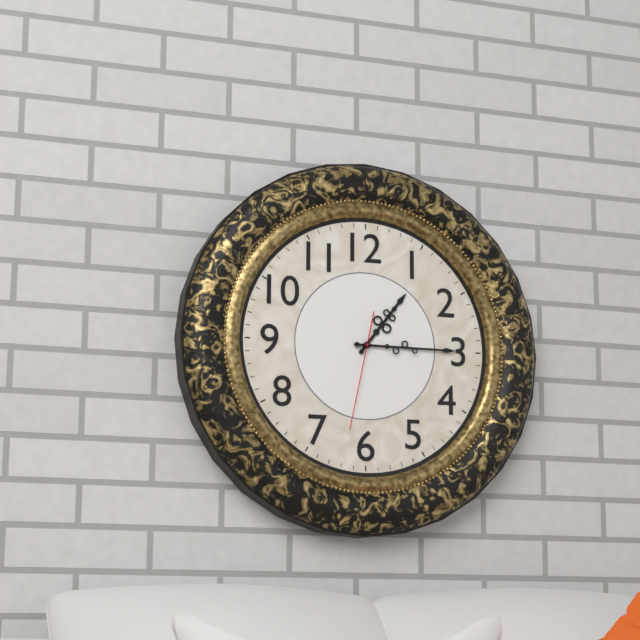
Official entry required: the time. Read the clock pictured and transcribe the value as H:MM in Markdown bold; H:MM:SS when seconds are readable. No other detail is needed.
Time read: **1:15:32**
